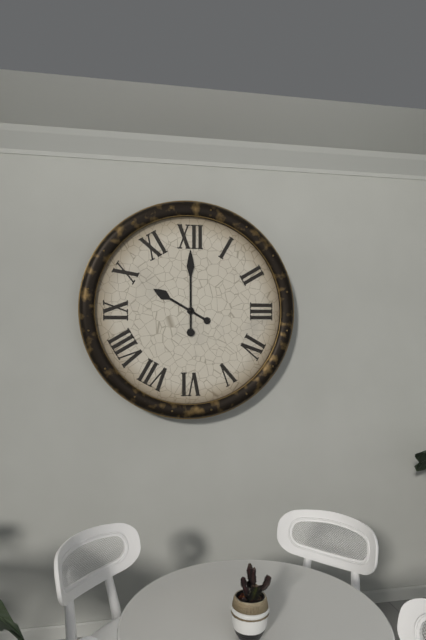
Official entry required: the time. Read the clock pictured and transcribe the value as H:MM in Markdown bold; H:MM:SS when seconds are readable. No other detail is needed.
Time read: **10:00**
